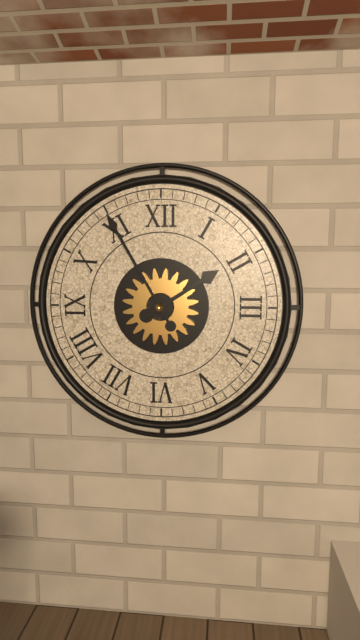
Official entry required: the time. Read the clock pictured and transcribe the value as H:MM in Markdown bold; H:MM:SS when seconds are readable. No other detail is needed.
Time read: **1:55**
